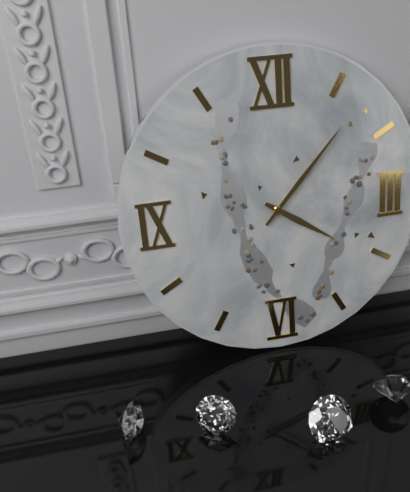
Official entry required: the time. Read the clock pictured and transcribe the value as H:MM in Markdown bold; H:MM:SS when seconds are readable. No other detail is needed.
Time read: **4:07**
